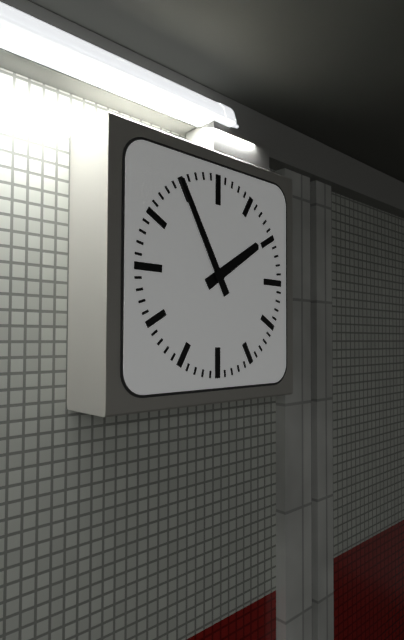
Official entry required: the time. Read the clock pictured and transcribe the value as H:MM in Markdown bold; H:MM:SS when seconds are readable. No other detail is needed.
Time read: **1:55**
